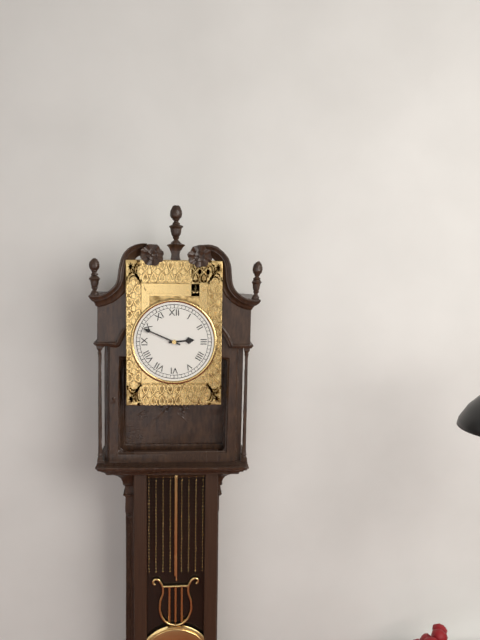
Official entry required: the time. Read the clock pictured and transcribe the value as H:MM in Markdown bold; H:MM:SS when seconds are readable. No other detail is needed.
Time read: **2:49**
